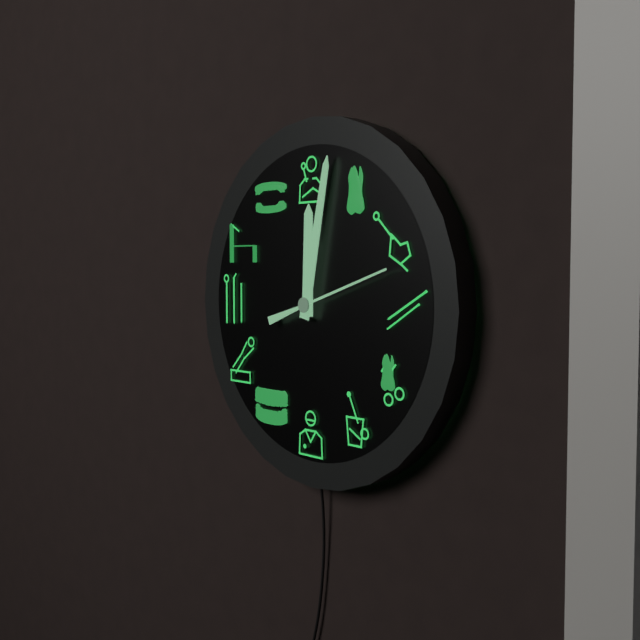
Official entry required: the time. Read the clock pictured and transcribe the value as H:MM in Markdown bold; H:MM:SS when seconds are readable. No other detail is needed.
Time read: **12:02:12**
